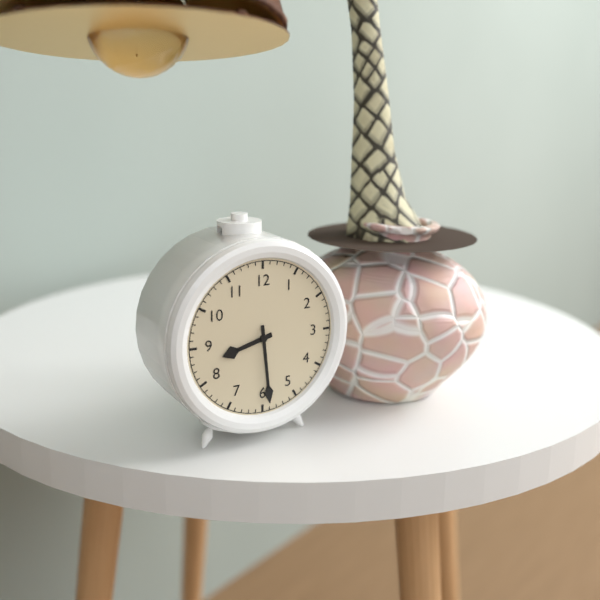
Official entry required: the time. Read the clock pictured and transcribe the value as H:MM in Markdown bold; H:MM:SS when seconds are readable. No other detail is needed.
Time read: **8:29**
